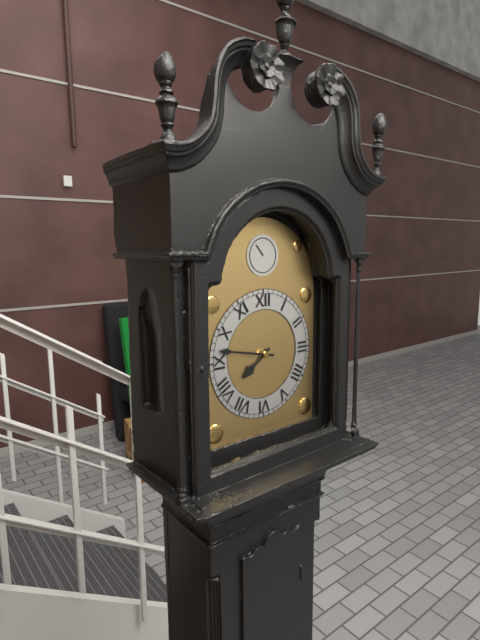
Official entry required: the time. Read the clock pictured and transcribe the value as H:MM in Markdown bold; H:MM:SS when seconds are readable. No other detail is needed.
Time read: **7:47**
